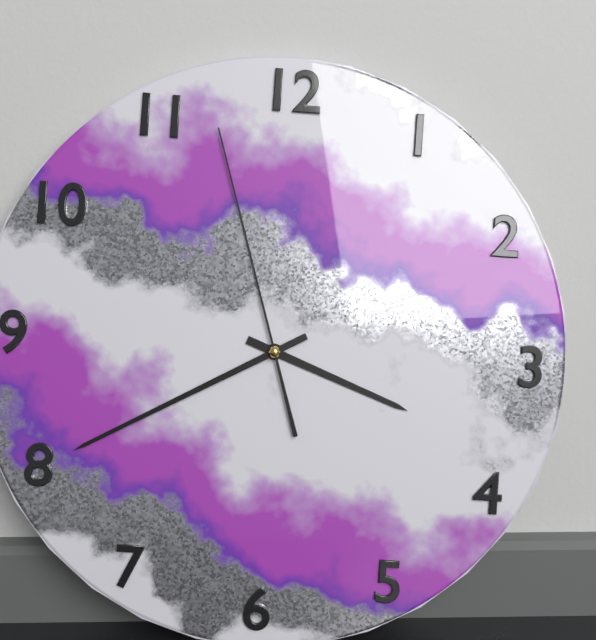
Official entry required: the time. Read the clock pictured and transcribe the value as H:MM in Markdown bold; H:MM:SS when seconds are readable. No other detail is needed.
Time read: **3:40:57**
